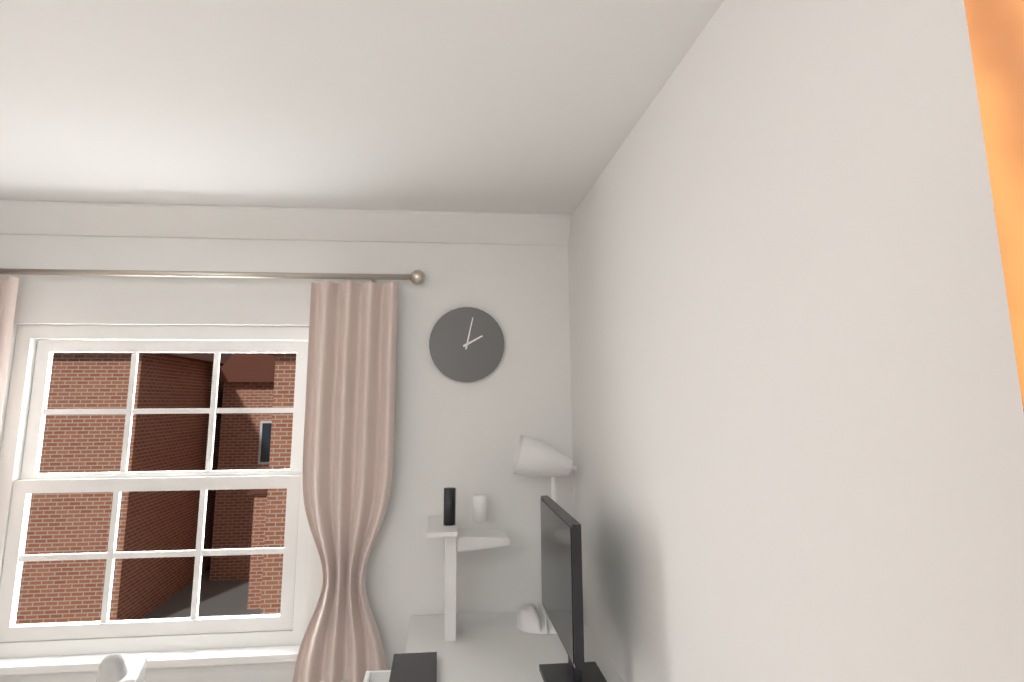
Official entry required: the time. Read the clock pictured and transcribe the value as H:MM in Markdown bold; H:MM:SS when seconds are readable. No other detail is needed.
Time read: **2:02**
